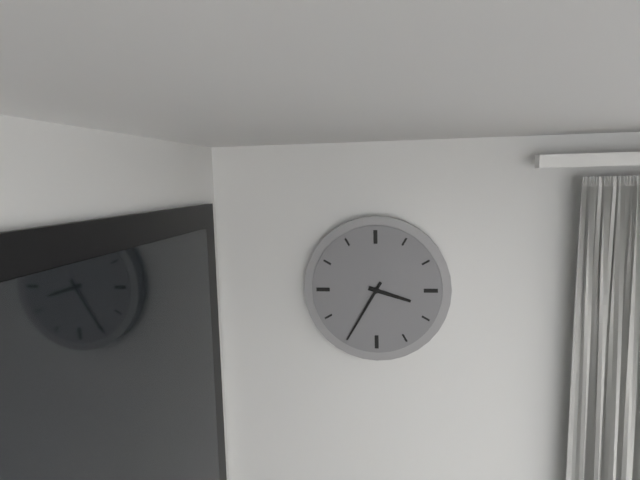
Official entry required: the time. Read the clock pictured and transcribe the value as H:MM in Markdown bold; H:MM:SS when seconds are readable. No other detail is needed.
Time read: **3:35**
